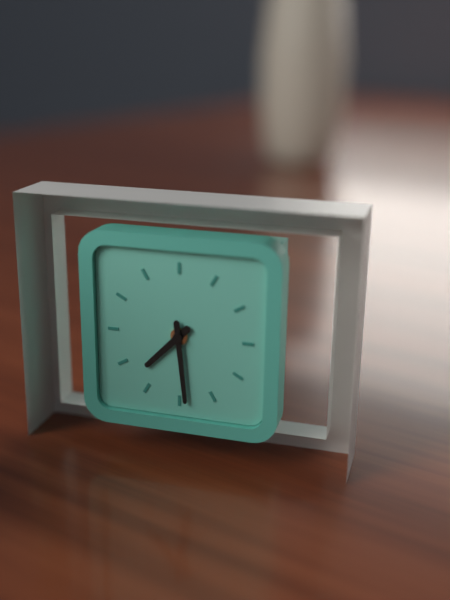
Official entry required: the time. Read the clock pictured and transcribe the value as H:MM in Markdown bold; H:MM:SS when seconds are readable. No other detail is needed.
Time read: **7:29**
